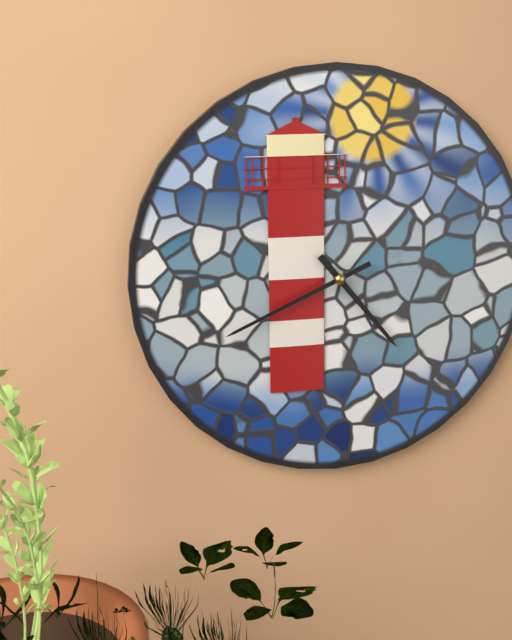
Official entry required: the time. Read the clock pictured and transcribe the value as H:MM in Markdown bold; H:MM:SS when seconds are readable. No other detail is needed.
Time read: **4:41**
